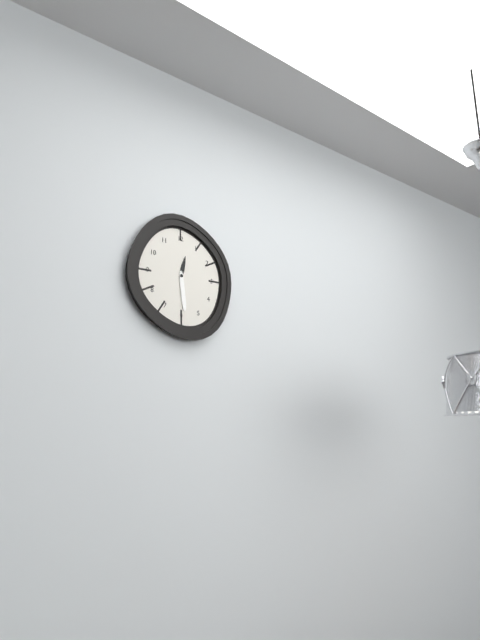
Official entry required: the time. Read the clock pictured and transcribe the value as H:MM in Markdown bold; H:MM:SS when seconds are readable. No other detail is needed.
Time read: **12:29**
